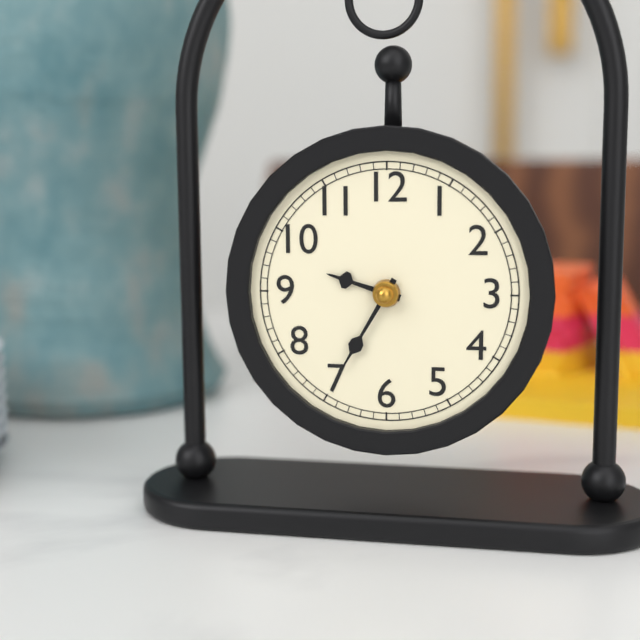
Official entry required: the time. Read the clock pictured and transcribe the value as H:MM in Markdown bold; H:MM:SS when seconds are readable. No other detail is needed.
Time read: **9:35**
